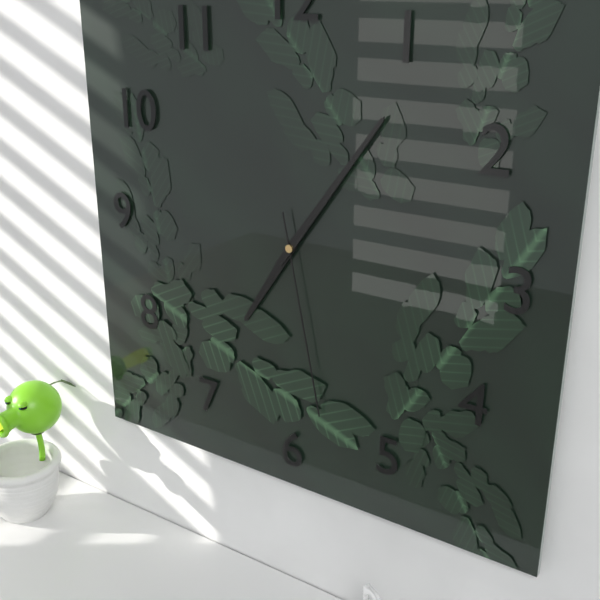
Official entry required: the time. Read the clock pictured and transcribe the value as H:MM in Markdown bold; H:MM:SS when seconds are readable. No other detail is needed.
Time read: **7:06:28**
